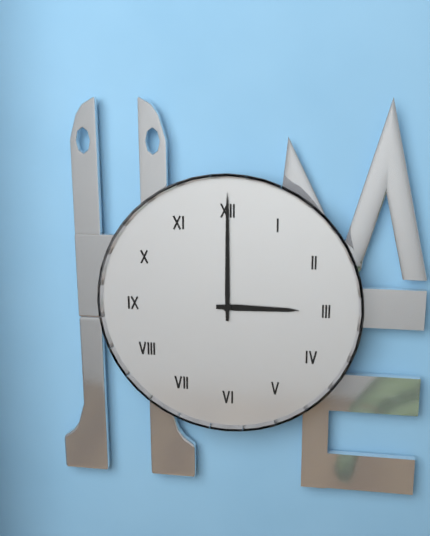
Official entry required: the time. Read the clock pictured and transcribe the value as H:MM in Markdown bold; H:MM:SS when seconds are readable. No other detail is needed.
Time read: **3:00**
